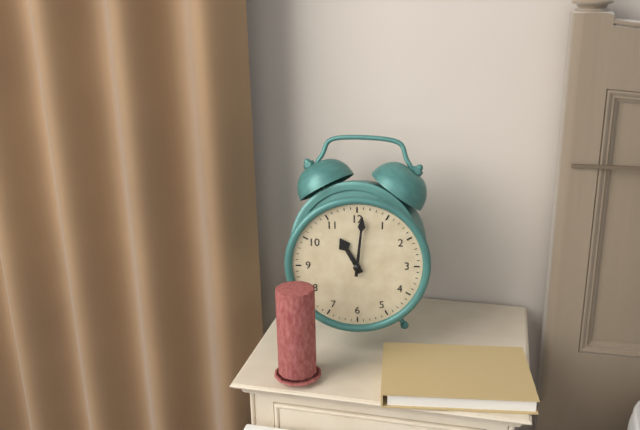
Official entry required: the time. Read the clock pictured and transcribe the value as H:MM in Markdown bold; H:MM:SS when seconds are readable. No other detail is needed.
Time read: **11:01**
